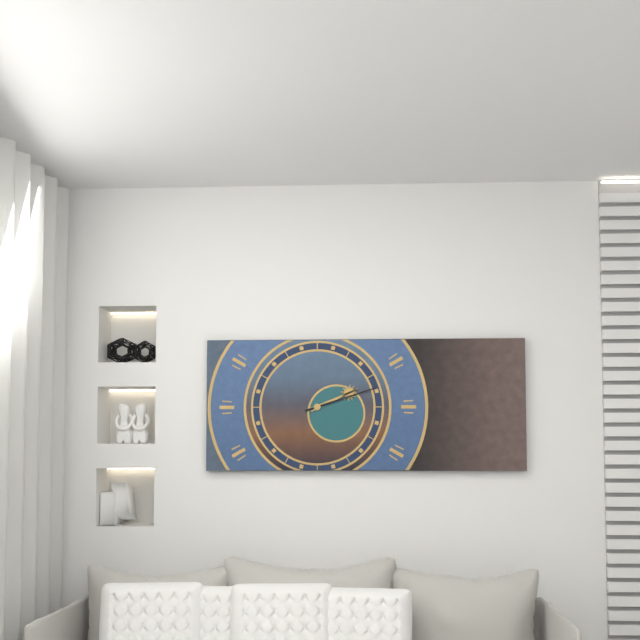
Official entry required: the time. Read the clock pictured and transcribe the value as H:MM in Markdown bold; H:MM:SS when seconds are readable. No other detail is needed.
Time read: **2:12**
